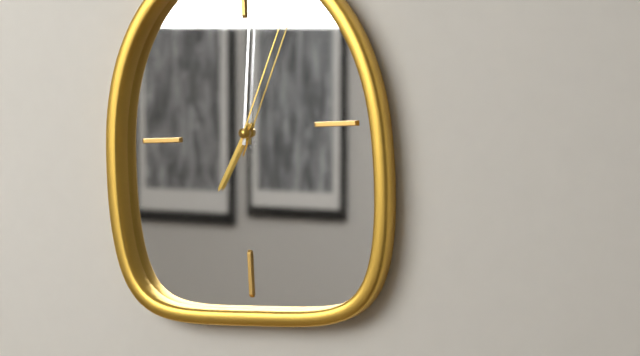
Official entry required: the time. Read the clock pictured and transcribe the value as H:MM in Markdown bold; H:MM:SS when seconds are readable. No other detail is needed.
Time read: **7:01:04**
